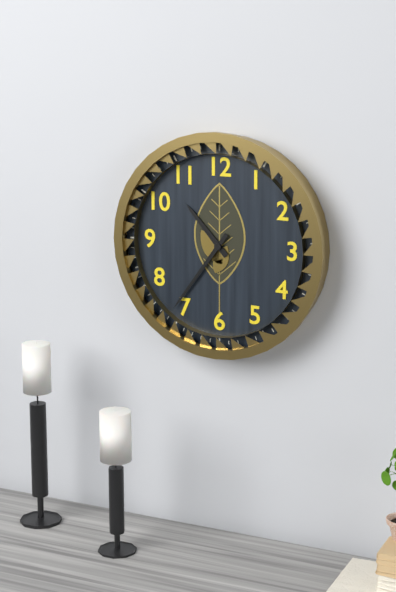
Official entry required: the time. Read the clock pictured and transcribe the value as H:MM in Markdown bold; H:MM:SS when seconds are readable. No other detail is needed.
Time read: **10:36**
